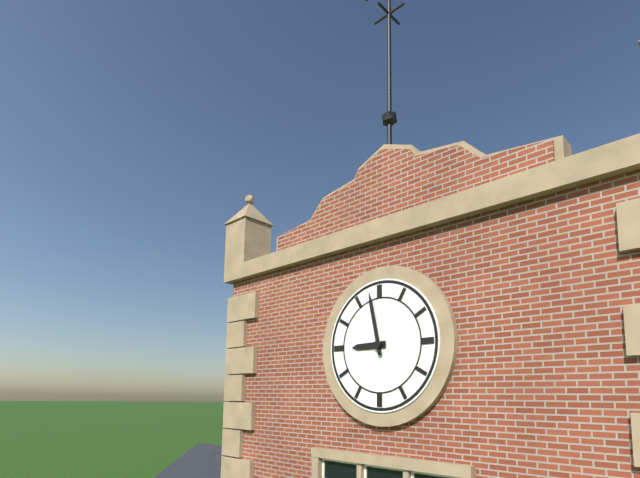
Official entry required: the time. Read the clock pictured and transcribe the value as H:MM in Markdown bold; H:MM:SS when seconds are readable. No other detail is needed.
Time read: **8:58**
